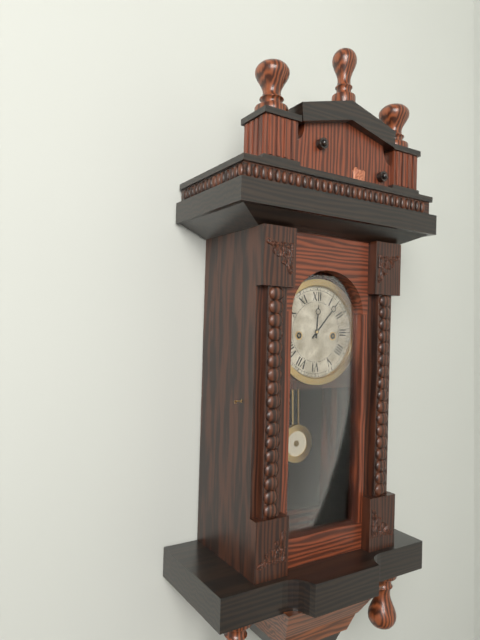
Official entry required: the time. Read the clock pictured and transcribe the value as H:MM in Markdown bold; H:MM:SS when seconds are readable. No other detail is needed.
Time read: **12:07**
